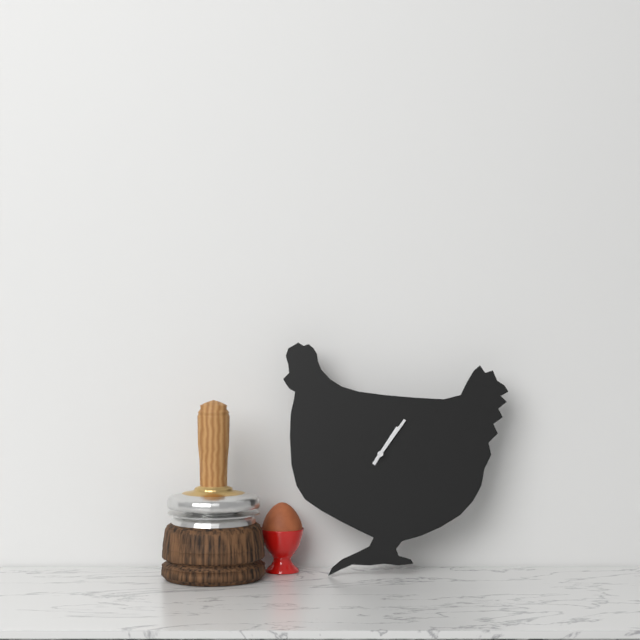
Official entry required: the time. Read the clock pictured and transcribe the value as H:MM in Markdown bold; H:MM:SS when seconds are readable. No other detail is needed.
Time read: **1:06**
